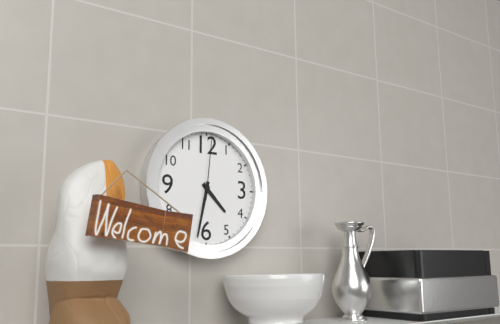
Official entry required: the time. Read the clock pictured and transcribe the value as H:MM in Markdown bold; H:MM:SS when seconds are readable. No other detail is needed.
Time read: **4:32:01**
